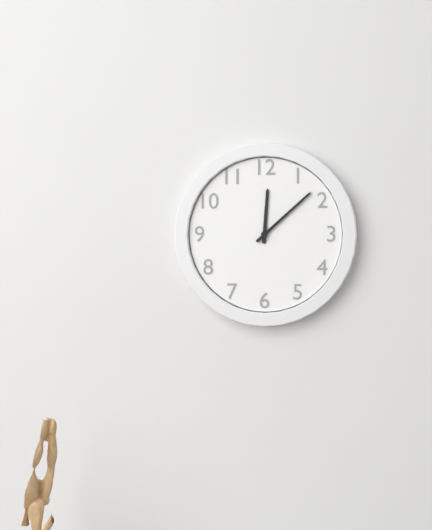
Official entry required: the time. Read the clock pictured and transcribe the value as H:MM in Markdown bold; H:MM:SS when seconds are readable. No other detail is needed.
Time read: **12:08**
